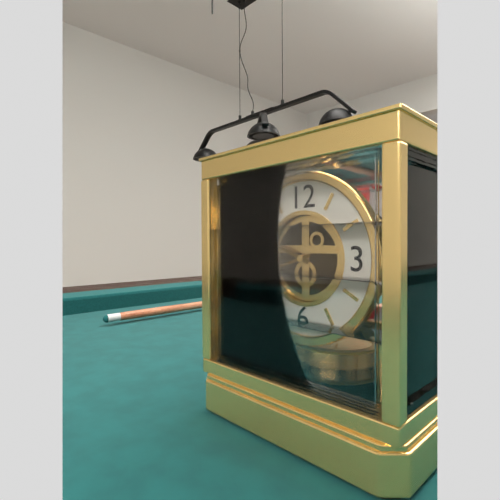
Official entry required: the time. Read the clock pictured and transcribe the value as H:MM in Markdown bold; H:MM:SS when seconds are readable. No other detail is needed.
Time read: **9:42**
